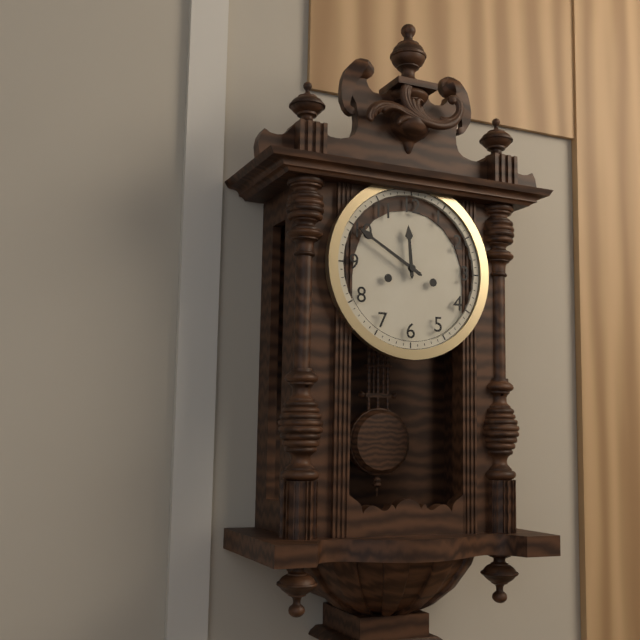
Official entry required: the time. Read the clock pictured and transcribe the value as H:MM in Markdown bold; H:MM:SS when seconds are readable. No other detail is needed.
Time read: **11:50**
